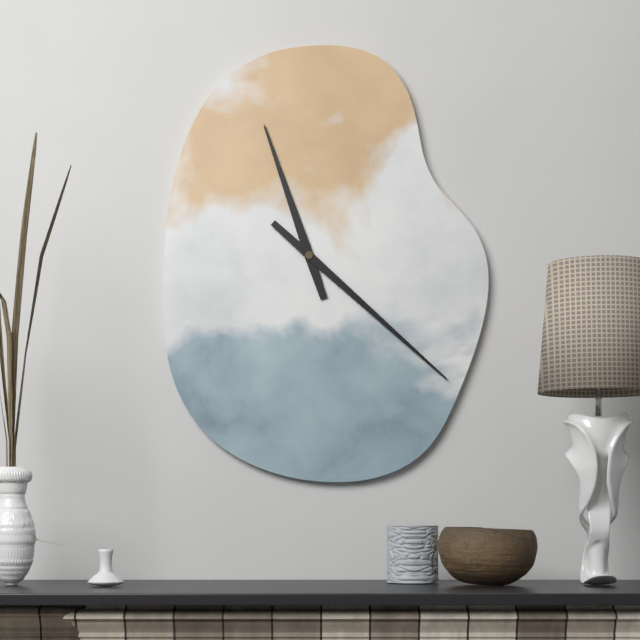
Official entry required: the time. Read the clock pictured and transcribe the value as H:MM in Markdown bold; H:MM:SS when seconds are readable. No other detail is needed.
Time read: **11:22**
